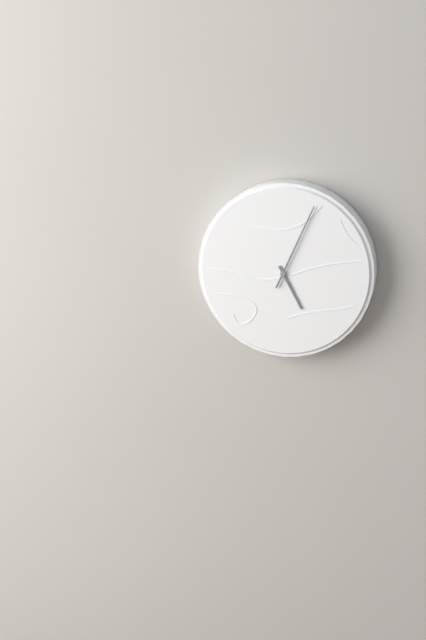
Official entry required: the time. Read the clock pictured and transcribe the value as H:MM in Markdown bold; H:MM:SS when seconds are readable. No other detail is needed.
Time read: **5:04**
